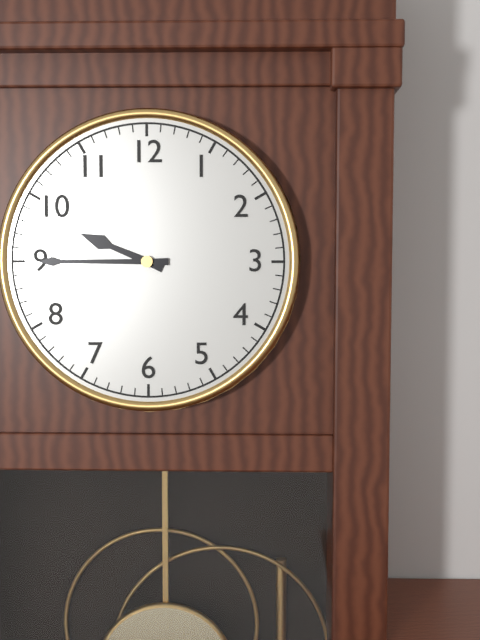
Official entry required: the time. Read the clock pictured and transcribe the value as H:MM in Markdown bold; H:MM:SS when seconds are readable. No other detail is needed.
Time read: **9:45**
